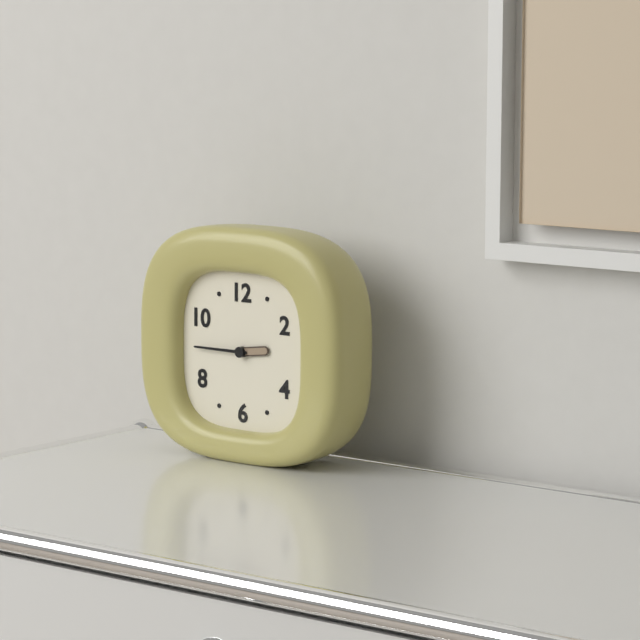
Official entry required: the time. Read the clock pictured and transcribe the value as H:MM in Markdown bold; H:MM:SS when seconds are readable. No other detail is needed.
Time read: **2:45**
